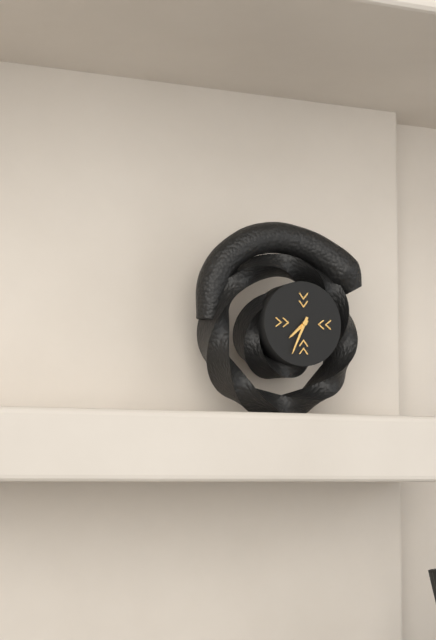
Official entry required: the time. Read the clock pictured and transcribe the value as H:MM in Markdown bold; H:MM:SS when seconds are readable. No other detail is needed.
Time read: **7:34**
